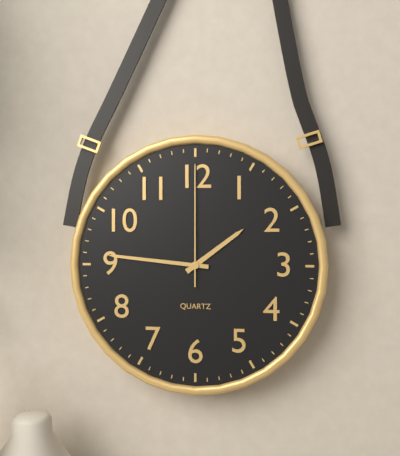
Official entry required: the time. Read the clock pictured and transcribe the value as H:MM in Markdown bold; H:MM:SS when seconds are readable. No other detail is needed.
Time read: **1:46:00**
